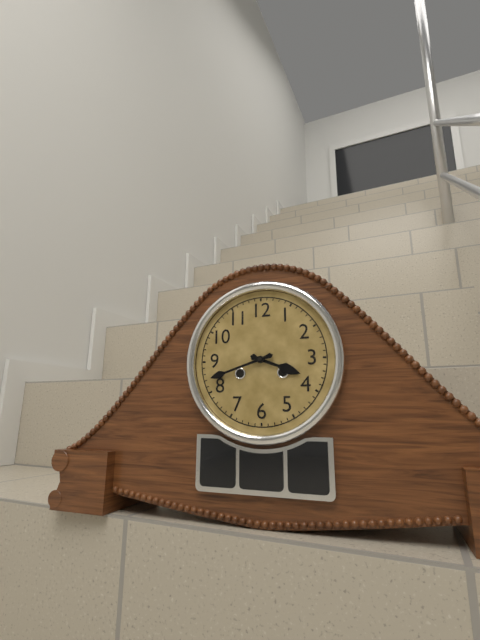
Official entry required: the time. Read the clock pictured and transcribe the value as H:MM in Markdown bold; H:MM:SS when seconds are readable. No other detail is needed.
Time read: **3:42**
